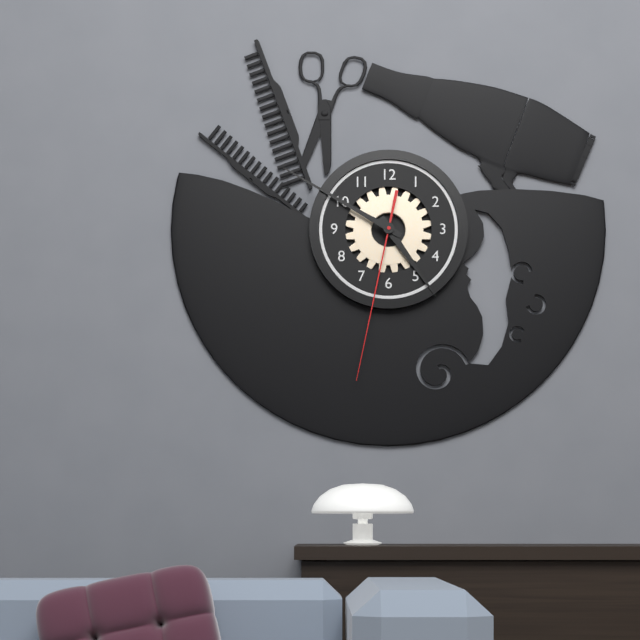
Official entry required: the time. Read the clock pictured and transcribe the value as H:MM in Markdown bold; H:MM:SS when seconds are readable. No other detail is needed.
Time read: **4:50:32**
